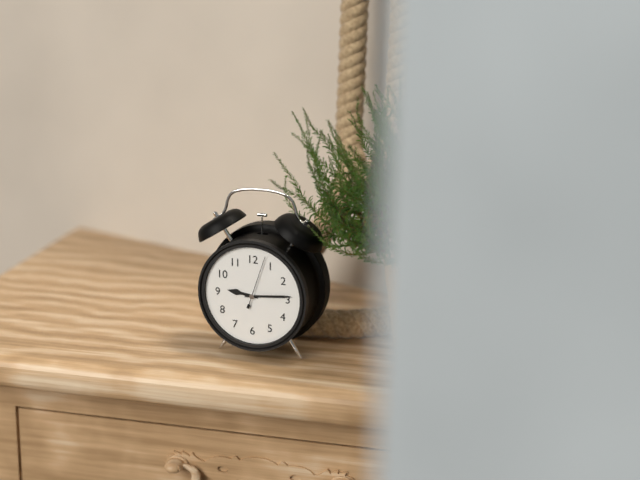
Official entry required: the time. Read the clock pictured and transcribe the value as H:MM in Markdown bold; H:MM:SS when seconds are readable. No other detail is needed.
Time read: **9:14:03**
